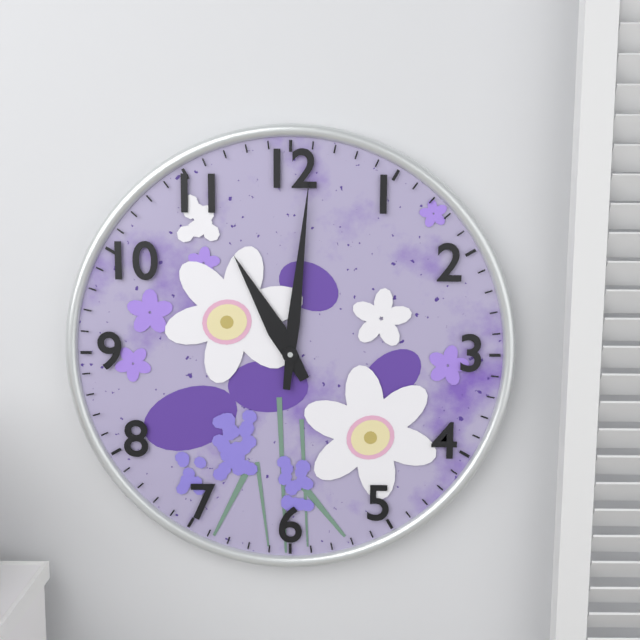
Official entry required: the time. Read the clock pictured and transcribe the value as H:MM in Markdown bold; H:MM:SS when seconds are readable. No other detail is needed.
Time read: **11:01**
